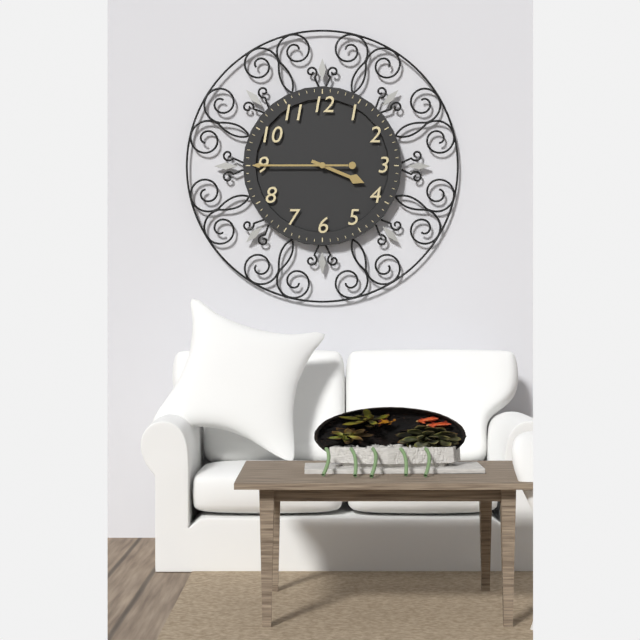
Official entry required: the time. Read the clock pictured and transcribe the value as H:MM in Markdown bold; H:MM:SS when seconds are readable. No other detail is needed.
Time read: **3:45**
